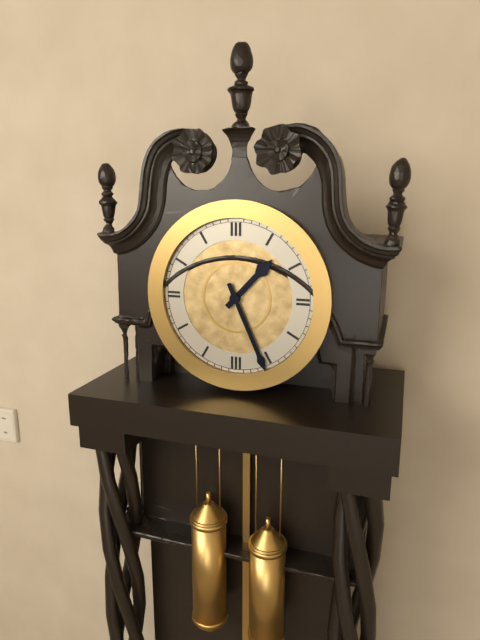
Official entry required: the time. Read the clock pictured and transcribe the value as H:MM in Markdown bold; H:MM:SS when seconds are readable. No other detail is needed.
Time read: **1:26**
